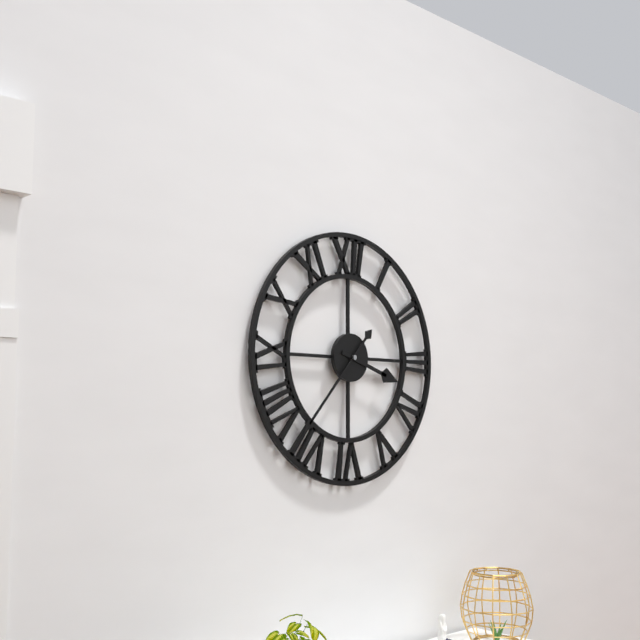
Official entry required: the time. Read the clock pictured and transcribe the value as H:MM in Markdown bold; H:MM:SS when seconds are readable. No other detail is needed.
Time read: **3:37**
